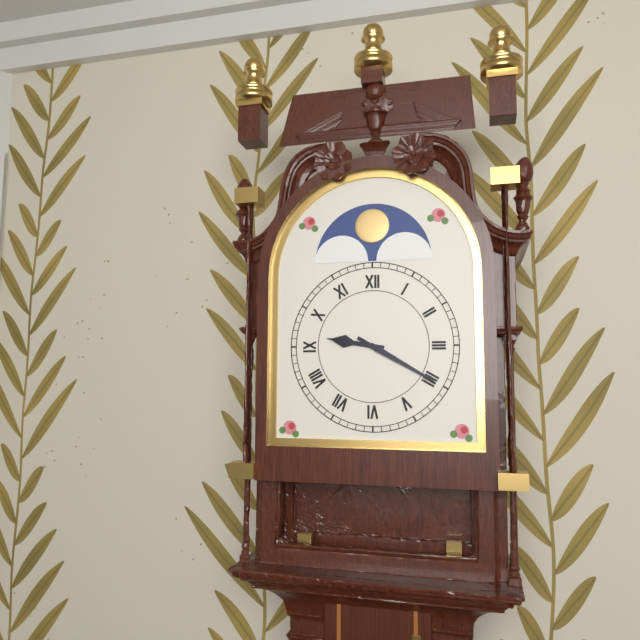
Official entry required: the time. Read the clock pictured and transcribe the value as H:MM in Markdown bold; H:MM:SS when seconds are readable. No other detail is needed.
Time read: **9:20**
